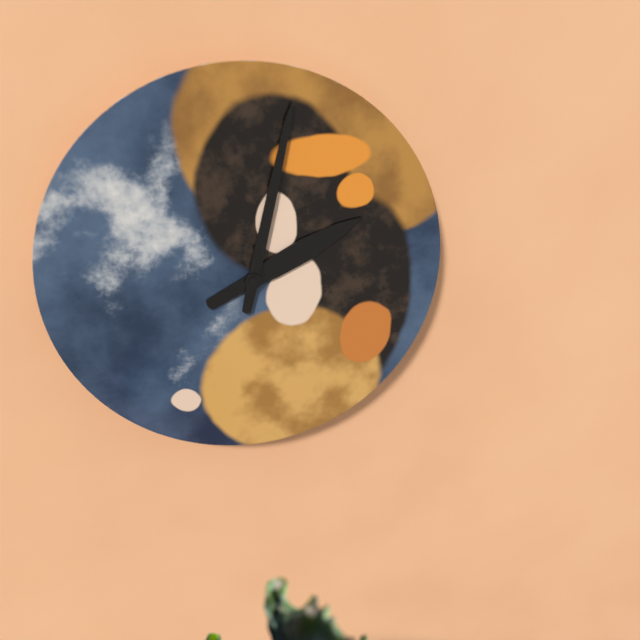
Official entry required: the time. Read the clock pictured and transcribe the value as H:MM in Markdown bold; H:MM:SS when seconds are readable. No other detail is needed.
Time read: **2:02**
